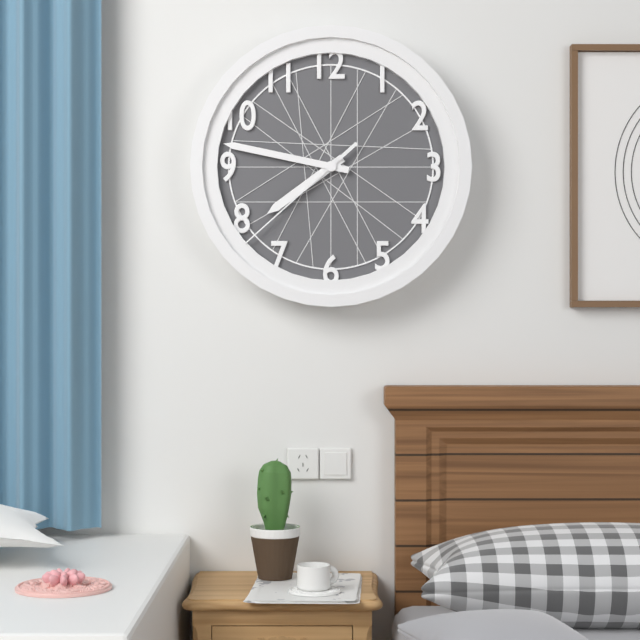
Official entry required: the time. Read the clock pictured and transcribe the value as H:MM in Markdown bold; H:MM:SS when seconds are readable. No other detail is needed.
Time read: **7:47:38**
